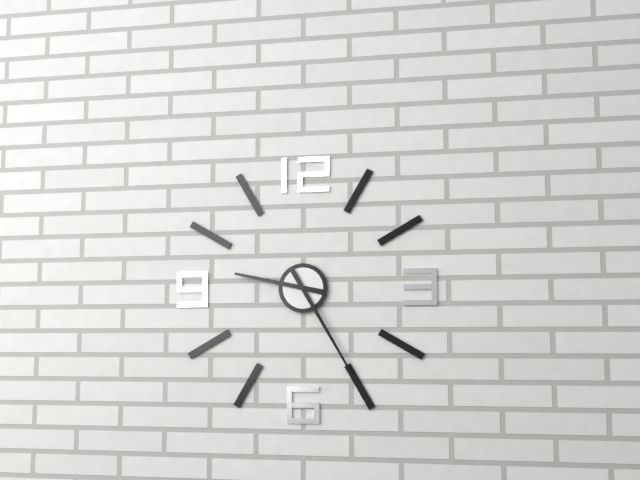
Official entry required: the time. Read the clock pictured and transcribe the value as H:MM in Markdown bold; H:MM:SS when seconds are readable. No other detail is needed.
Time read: **9:25**
